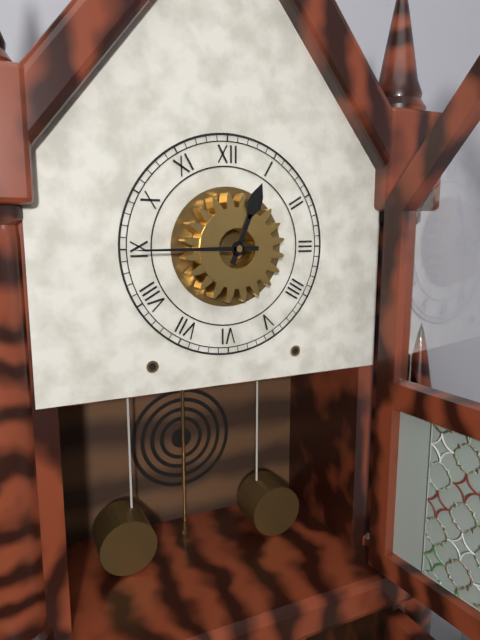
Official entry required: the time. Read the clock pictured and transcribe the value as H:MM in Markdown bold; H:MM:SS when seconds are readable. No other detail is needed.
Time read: **12:45**
